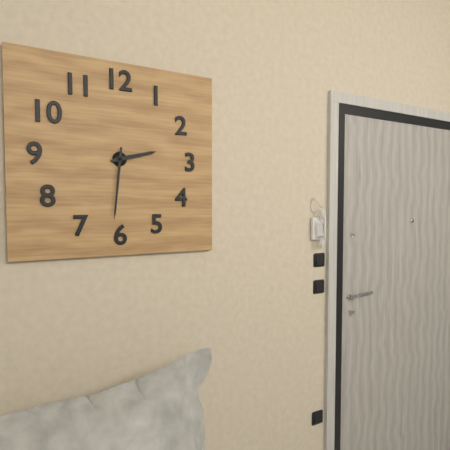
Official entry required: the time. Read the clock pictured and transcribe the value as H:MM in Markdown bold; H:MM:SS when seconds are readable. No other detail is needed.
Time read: **2:31**
